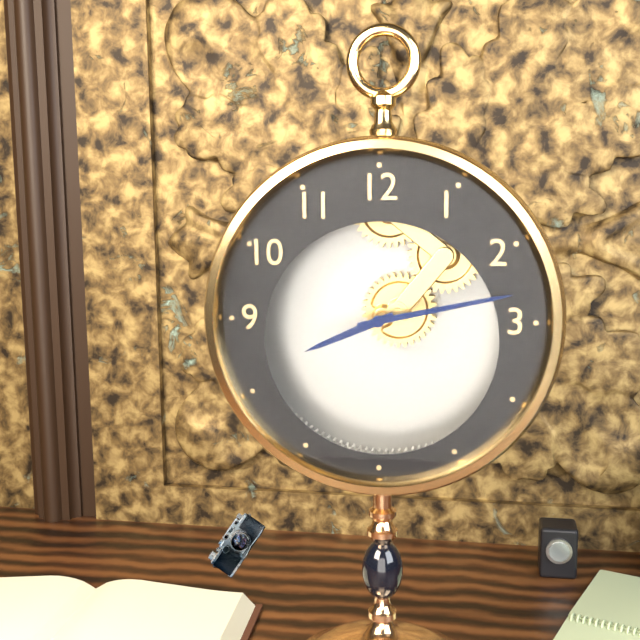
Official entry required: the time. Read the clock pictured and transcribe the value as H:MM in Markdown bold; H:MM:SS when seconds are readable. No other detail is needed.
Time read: **8:13**
